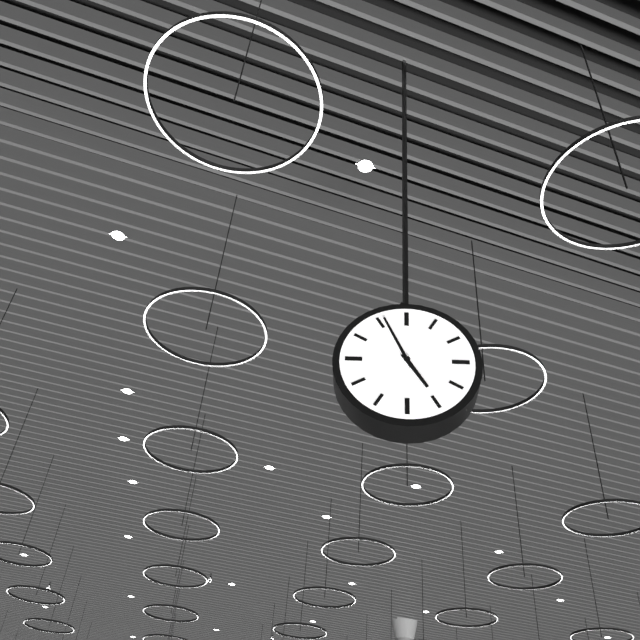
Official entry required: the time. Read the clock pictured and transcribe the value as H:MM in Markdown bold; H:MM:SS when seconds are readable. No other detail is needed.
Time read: **4:56**
